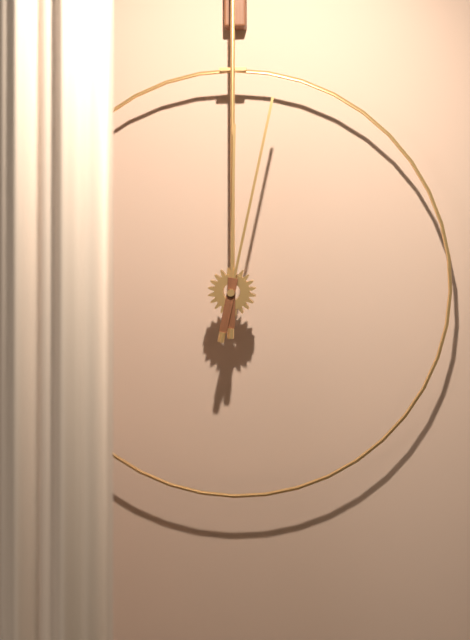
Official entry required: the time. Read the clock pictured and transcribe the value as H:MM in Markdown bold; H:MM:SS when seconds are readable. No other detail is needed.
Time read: **12:02**
